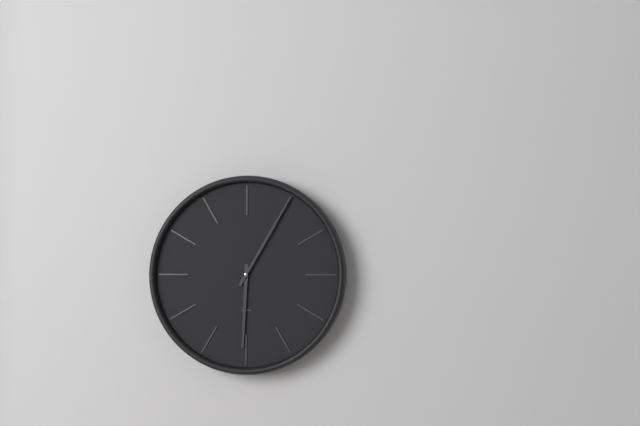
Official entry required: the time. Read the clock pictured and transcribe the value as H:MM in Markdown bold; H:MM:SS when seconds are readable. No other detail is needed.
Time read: **6:05**
